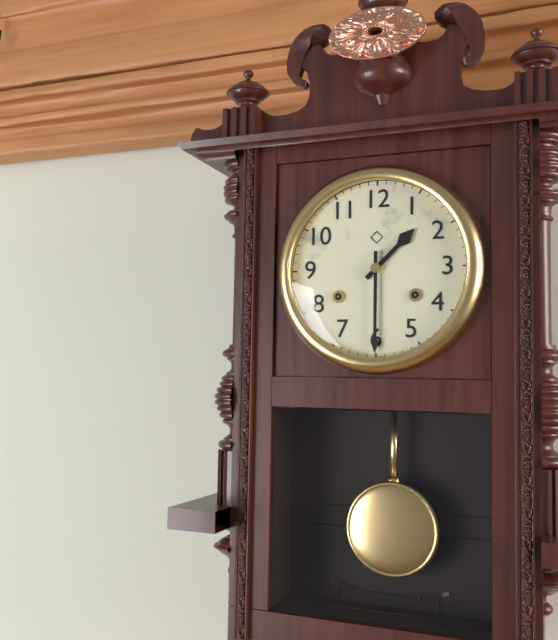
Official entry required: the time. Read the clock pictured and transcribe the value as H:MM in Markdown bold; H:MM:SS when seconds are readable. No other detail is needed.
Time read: **1:30**
